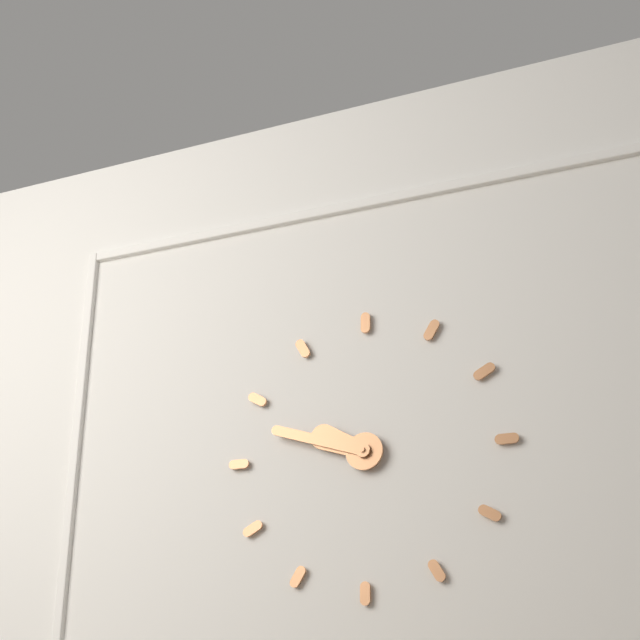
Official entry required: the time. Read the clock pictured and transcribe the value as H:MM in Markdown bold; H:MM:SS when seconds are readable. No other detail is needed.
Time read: **9:48**
